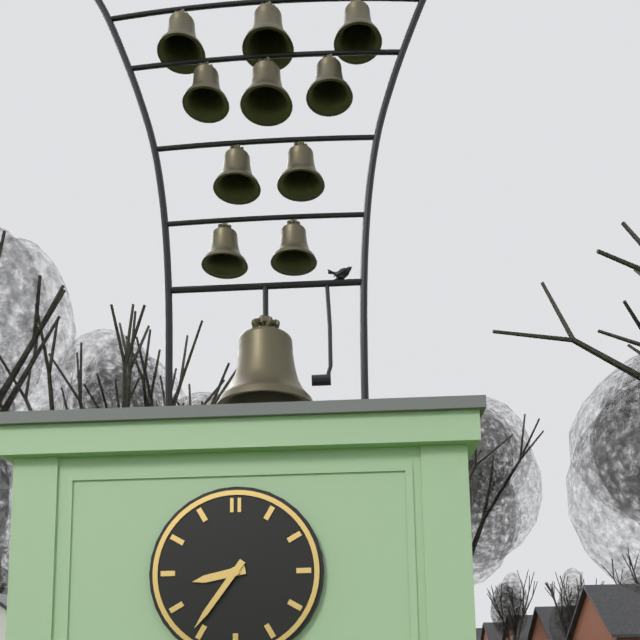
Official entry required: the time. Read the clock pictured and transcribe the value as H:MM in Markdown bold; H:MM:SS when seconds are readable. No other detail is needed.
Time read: **8:36**
